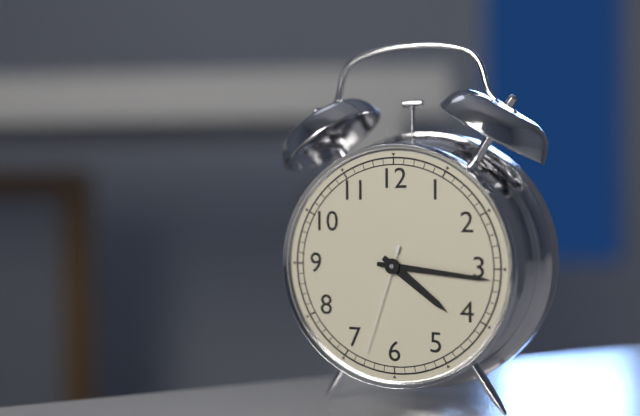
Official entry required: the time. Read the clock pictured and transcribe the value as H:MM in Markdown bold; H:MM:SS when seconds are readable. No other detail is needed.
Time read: **4:16:33**
